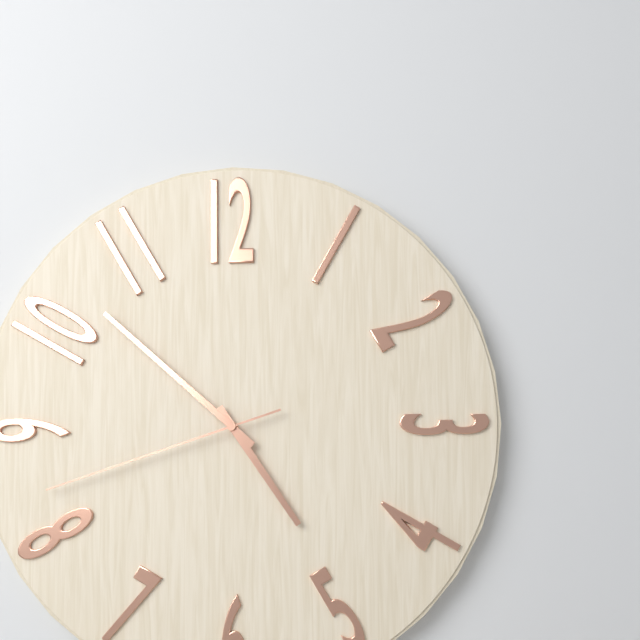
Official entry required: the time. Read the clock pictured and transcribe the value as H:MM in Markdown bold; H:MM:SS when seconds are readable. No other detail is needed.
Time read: **4:52:42**
